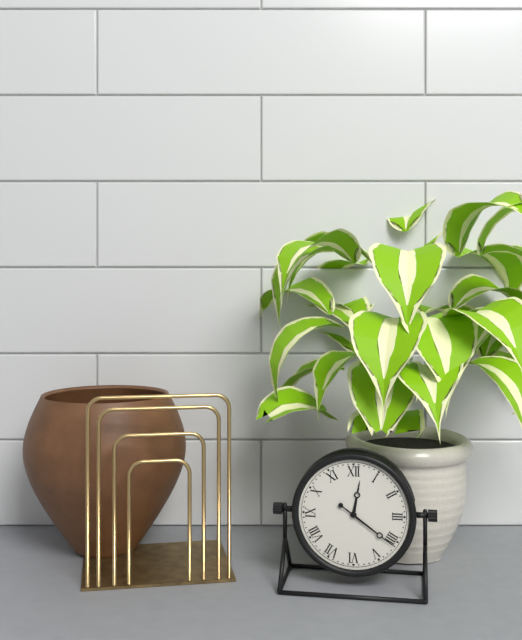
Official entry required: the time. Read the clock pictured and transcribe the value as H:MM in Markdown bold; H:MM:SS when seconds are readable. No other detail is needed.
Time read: **12:21**
